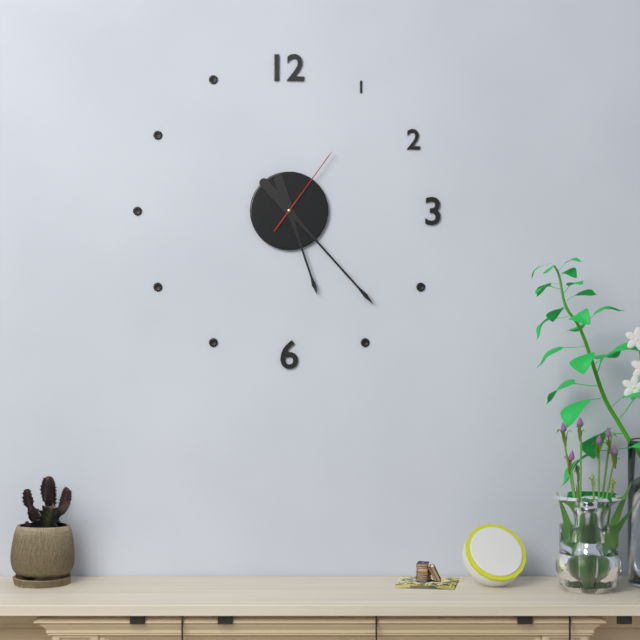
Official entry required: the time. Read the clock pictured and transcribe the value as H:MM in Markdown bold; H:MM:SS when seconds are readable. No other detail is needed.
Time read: **5:23:06**
